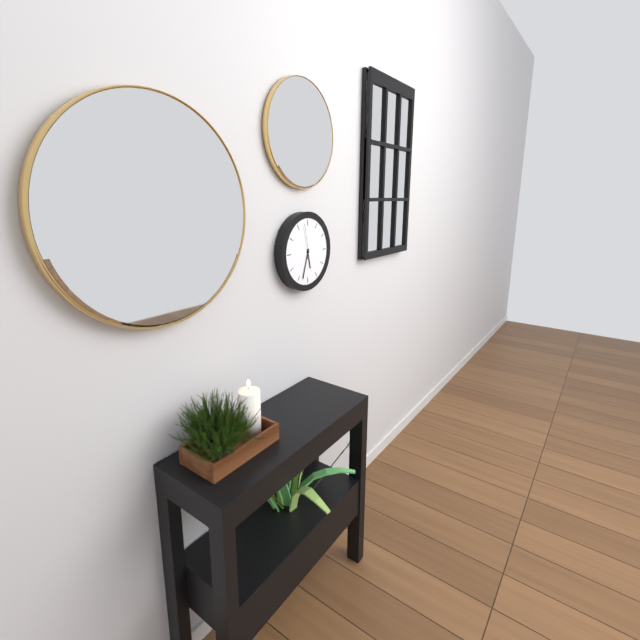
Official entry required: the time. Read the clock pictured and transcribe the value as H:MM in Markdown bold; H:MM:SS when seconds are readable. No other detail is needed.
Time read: **5:33**
